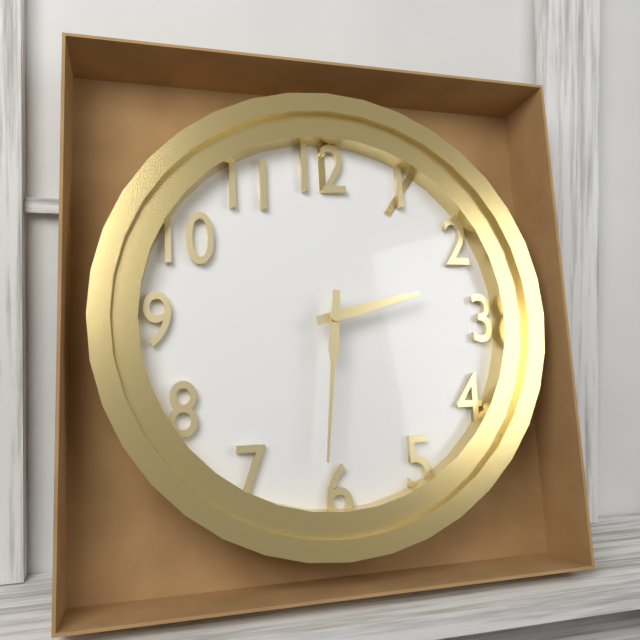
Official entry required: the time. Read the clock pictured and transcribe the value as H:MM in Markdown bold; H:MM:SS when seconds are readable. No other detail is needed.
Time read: **2:31**
